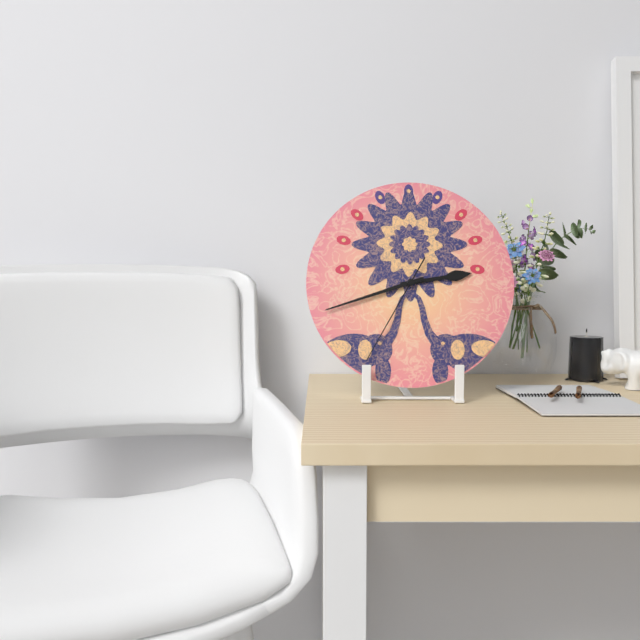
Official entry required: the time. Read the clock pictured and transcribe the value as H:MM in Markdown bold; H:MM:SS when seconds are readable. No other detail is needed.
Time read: **2:42:35**
